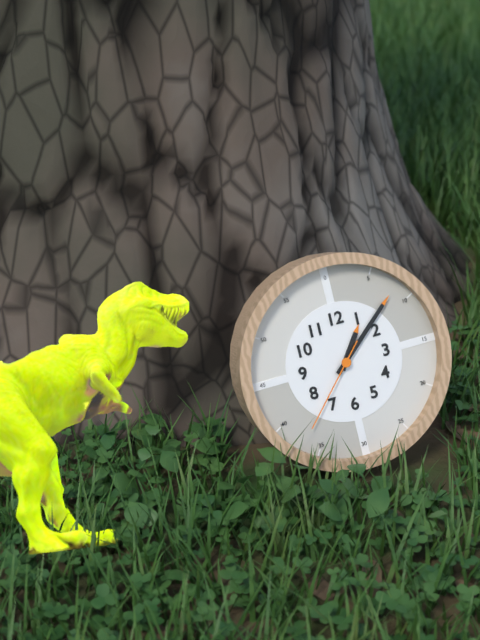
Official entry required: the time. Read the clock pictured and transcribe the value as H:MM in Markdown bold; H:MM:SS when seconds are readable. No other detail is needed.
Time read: **1:08:37**
